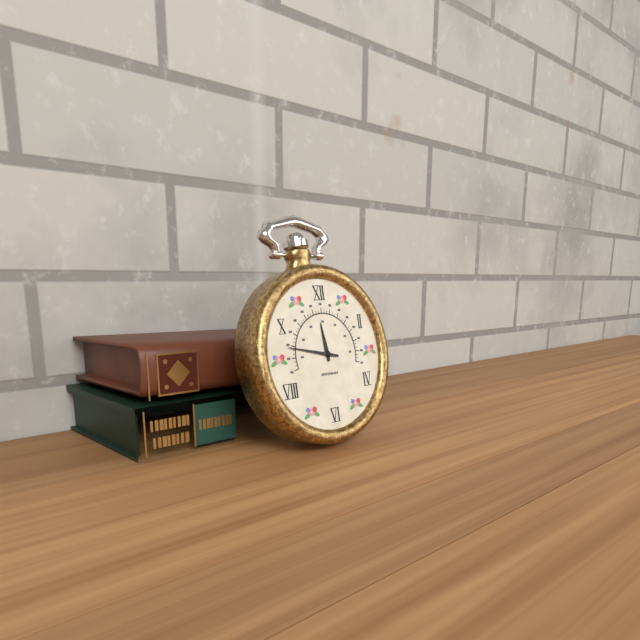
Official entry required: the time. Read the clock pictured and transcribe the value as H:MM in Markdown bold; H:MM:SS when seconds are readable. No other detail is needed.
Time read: **11:47**
